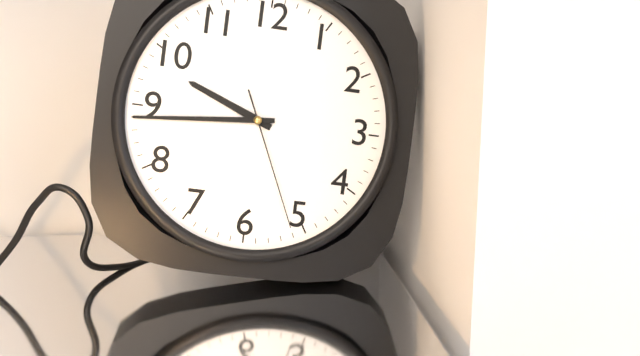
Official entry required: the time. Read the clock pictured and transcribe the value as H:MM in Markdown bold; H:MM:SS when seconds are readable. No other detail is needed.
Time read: **9:44:26**
